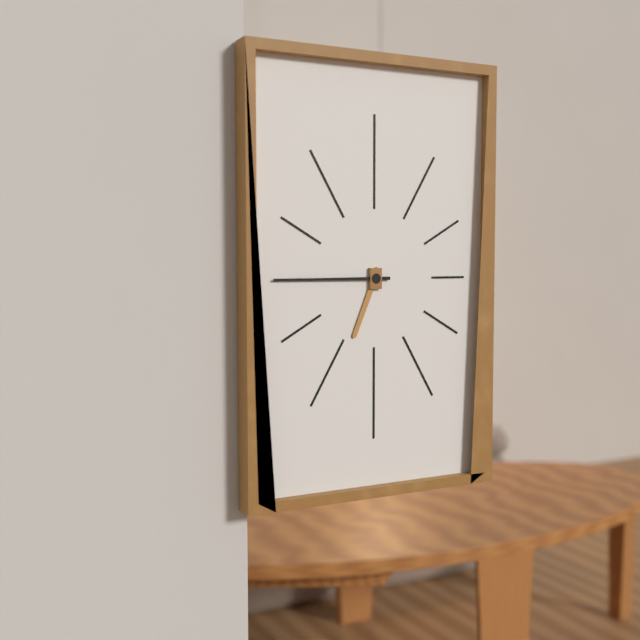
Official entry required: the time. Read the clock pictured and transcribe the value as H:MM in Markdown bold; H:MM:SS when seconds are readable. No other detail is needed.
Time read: **6:45**
